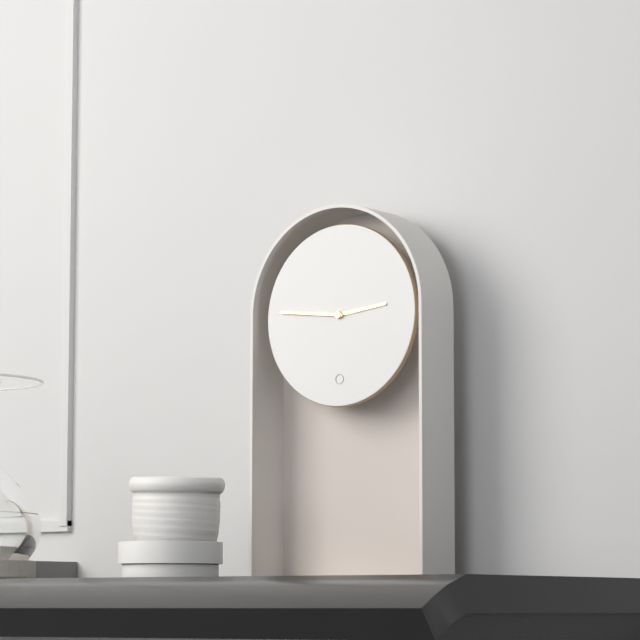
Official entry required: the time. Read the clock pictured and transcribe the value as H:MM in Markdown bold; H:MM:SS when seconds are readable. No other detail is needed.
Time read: **2:46**
